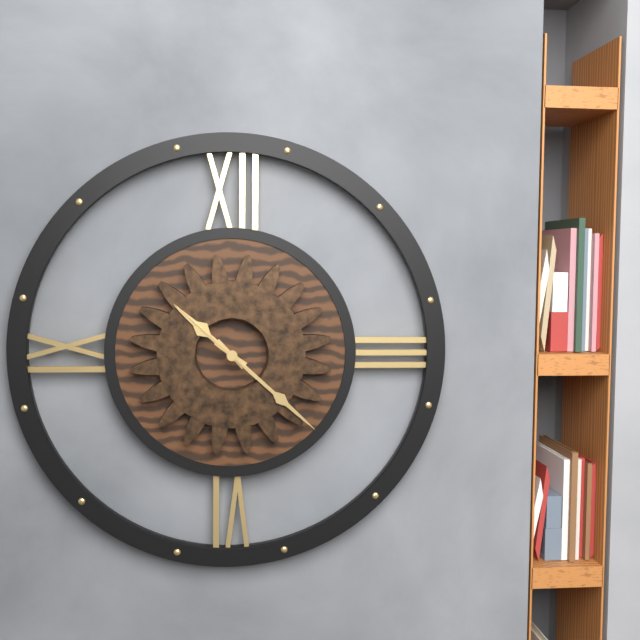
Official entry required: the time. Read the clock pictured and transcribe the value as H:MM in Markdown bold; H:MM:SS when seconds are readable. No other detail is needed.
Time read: **10:22:52**
